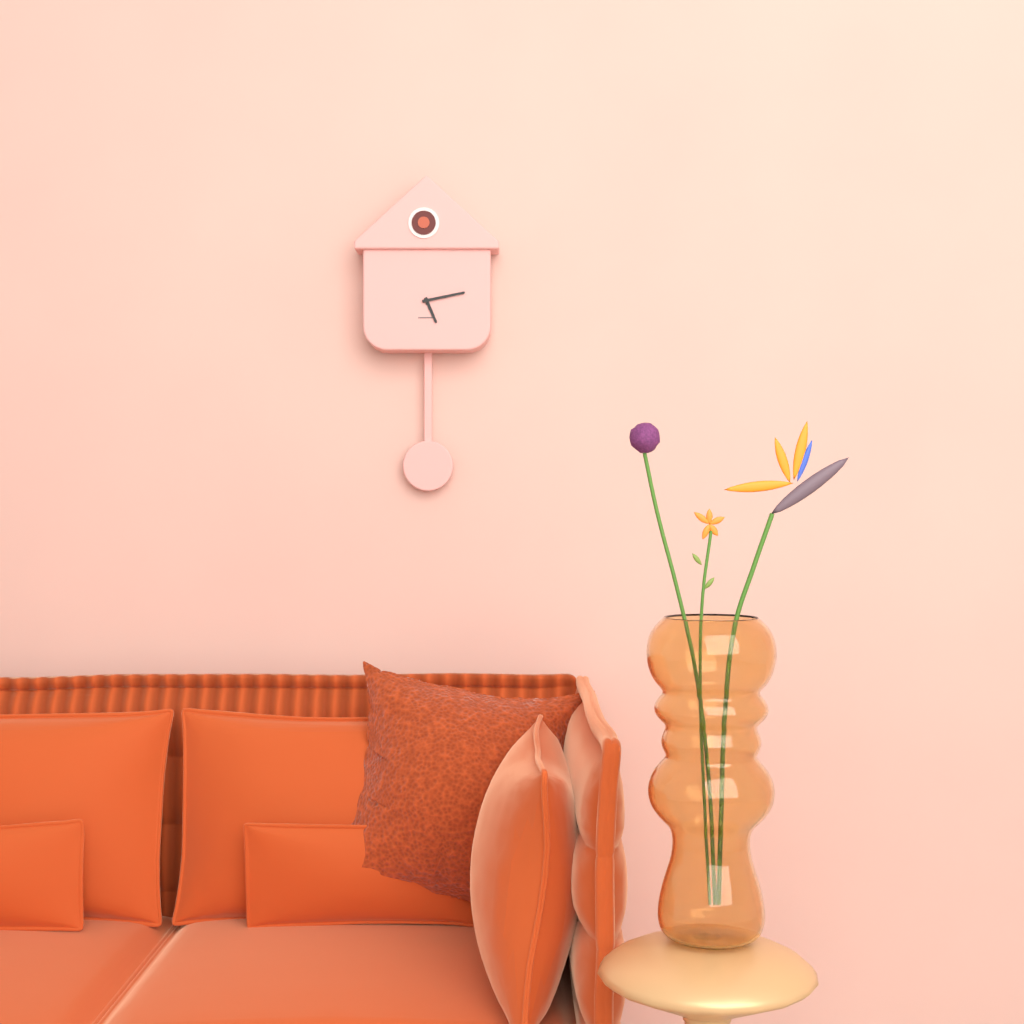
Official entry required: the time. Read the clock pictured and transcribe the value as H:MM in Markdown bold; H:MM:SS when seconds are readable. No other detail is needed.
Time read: **5:13**
